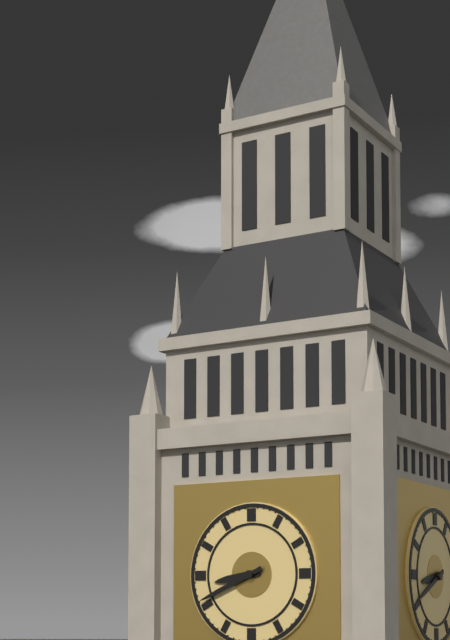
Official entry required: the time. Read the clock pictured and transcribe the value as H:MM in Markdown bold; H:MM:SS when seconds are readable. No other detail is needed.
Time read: **8:41**
